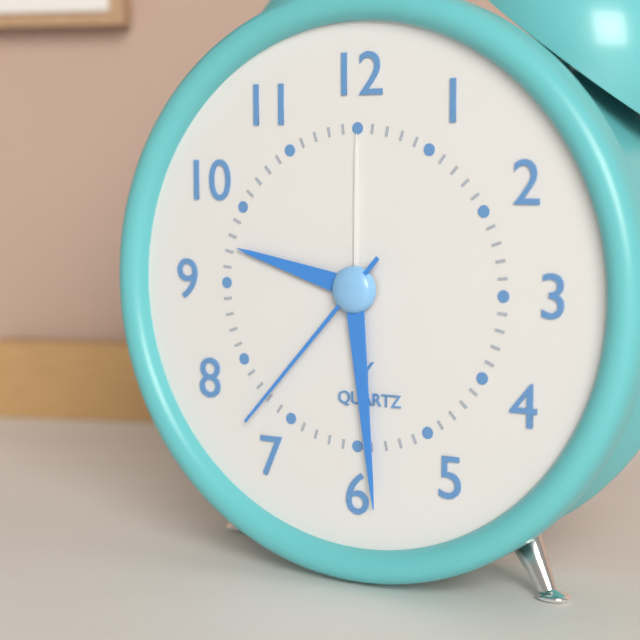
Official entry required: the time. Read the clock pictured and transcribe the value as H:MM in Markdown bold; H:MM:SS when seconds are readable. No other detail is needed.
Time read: **9:29:37**
